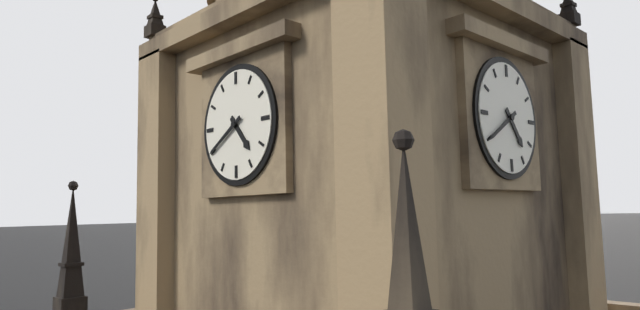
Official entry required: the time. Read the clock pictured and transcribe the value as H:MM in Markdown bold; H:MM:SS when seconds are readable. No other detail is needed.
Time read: **4:40**
